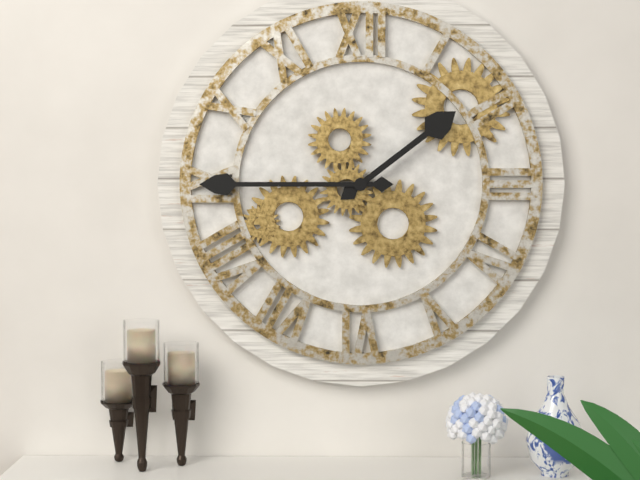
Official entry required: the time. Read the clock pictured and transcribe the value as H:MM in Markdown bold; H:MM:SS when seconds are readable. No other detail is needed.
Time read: **1:45**
